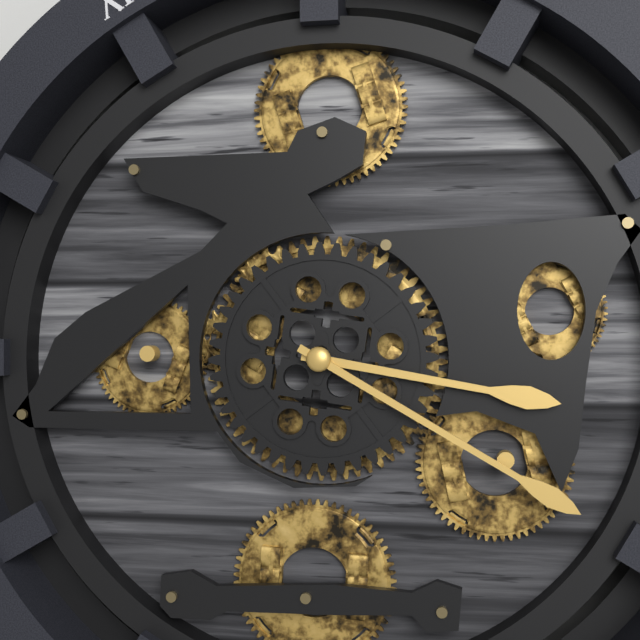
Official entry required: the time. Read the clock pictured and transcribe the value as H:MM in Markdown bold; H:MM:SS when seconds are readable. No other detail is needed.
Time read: **3:20**
